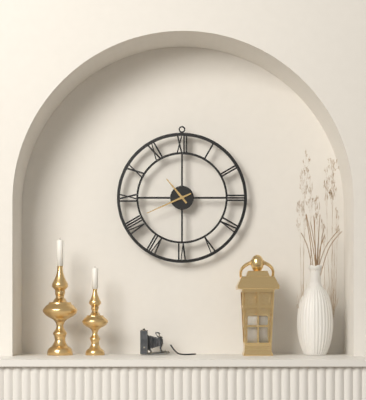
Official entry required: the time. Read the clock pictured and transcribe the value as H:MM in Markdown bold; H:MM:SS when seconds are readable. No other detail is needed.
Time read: **10:41**
